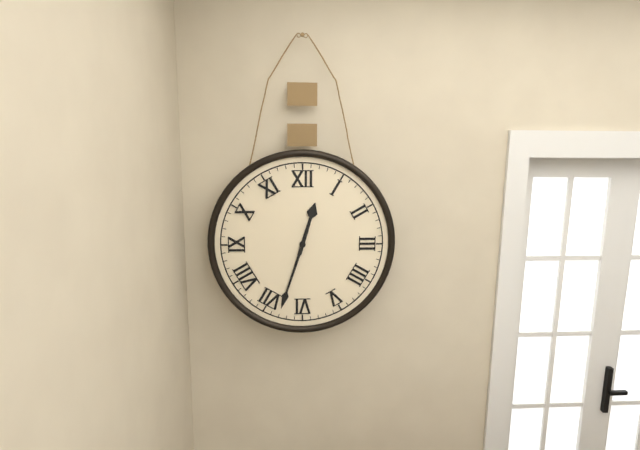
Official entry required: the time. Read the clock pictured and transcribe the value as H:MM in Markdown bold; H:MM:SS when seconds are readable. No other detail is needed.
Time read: **12:33**
